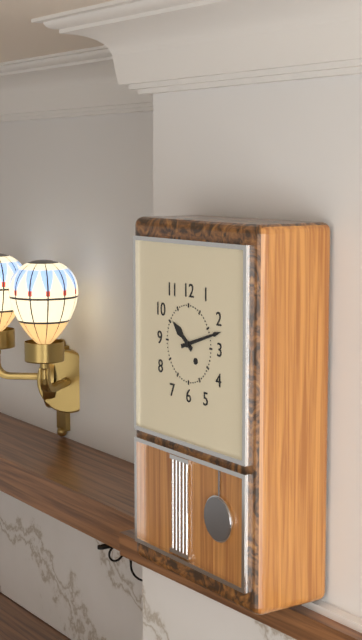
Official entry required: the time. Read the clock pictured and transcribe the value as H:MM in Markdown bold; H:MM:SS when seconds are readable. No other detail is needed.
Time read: **10:12**
